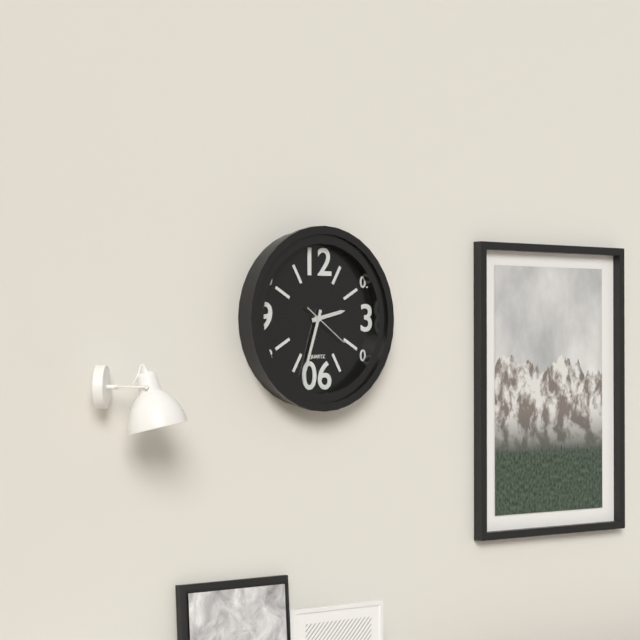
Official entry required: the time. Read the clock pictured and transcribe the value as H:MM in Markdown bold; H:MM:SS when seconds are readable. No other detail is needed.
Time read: **2:33:21**
